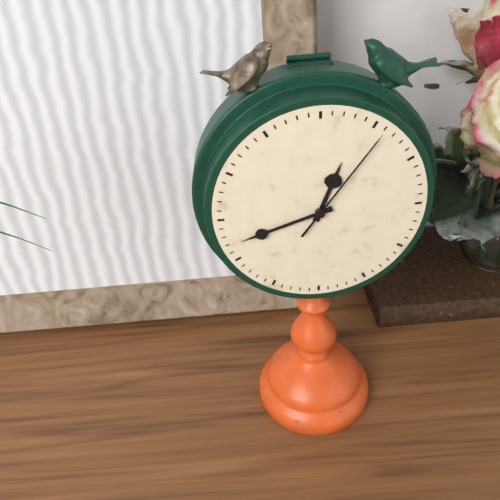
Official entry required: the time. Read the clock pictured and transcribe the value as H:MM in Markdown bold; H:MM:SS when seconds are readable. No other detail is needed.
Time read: **12:42:06**
